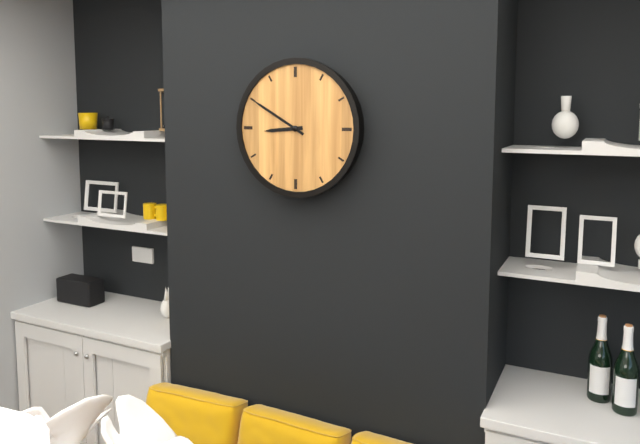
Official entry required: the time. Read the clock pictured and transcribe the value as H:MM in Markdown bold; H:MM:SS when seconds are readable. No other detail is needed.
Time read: **8:50**
